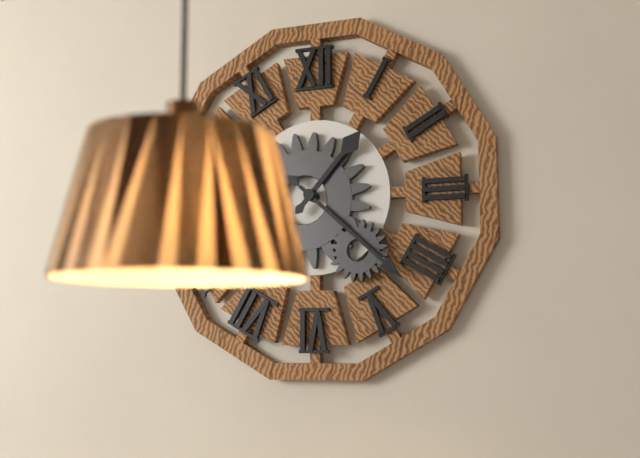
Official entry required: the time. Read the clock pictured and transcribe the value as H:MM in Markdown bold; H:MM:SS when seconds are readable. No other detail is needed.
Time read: **1:22**
